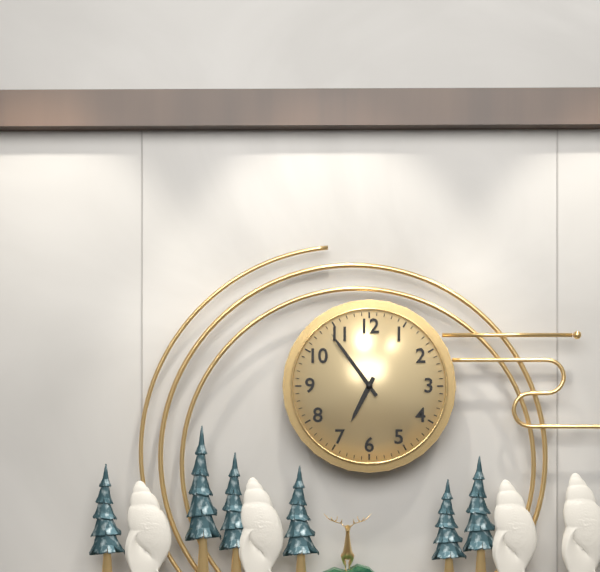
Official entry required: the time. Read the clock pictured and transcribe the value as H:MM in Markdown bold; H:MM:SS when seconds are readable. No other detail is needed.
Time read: **6:54**
